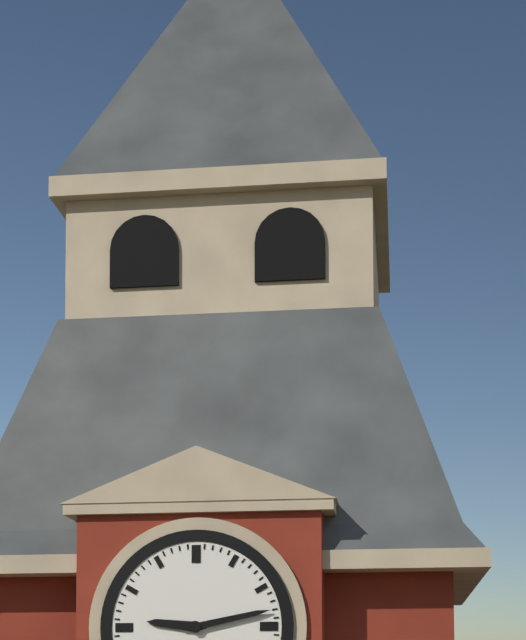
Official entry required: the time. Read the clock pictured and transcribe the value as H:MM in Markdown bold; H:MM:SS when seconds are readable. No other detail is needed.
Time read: **9:13**
